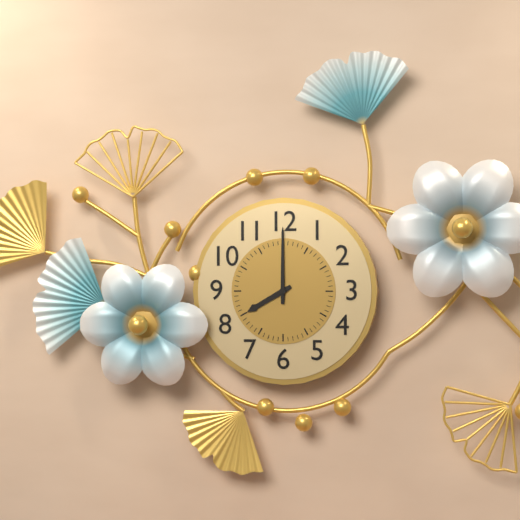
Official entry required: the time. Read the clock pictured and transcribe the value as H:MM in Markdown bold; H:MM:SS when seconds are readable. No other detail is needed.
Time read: **8:00**
